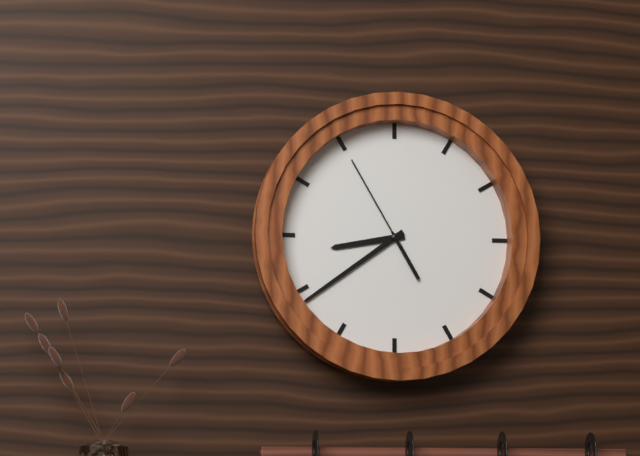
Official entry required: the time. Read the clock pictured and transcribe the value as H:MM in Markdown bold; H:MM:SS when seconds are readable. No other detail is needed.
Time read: **8:39:55**
